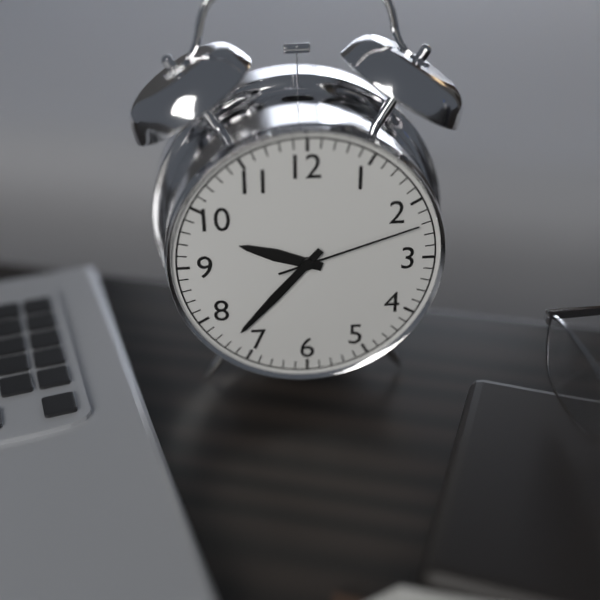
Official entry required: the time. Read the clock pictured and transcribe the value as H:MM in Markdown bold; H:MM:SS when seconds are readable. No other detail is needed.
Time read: **9:37:12**
